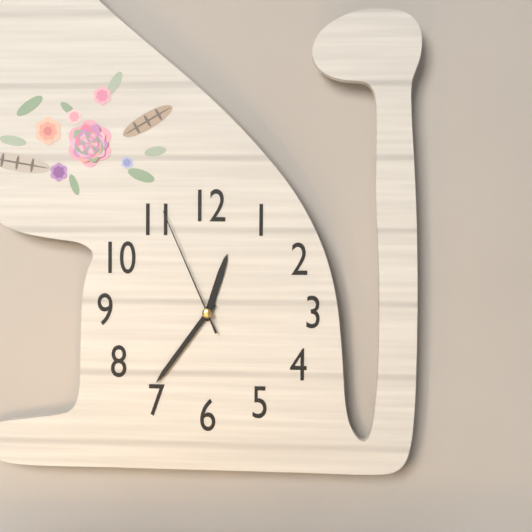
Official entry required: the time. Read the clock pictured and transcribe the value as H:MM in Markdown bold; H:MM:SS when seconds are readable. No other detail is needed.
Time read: **12:36:56**
